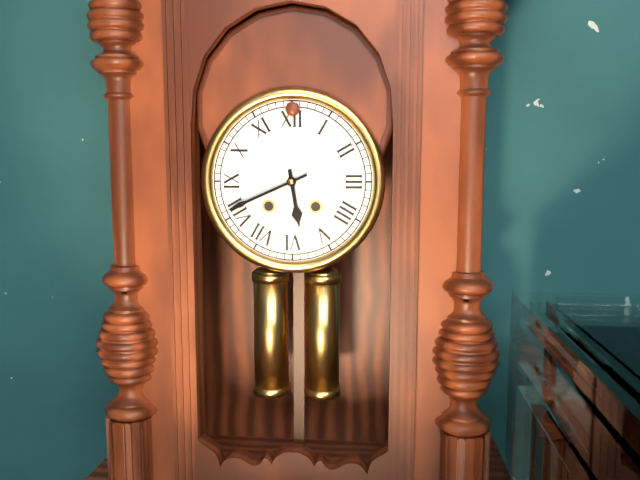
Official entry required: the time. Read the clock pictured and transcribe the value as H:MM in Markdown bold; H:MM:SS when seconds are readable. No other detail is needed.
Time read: **5:41**
